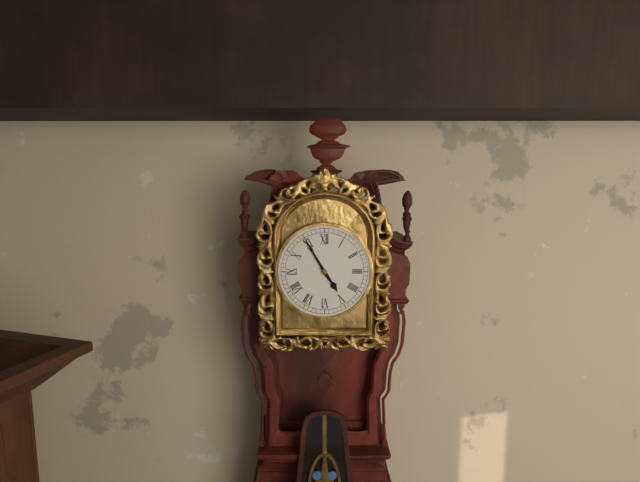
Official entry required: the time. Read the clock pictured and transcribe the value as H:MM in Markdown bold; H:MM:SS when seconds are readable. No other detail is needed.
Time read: **4:55**
